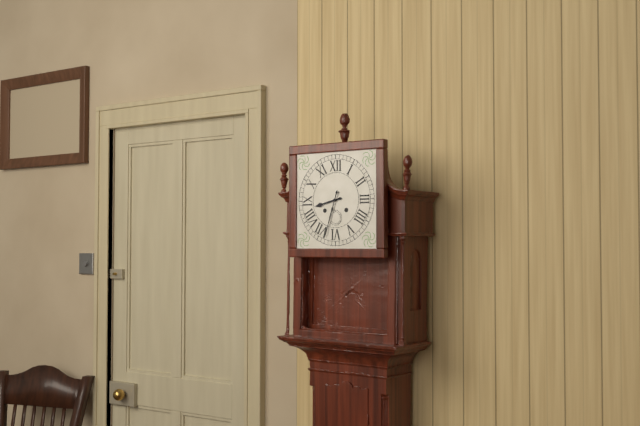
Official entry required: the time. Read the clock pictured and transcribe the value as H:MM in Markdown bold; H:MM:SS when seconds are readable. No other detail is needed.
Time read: **8:33**
